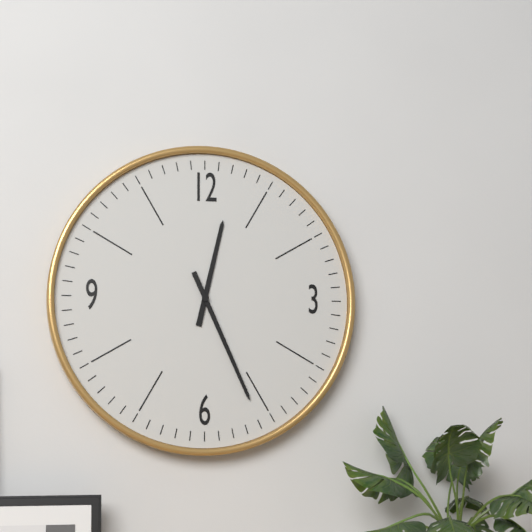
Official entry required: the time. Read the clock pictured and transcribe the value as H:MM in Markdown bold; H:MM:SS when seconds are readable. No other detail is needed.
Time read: **12:26**
